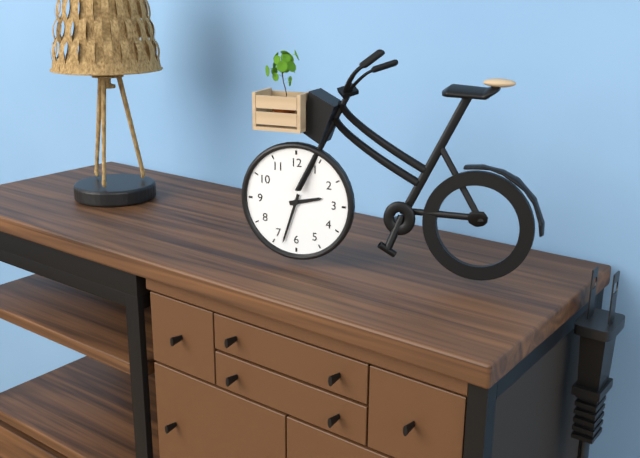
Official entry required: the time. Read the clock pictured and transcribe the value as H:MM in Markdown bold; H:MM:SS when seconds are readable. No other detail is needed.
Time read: **2:33**
